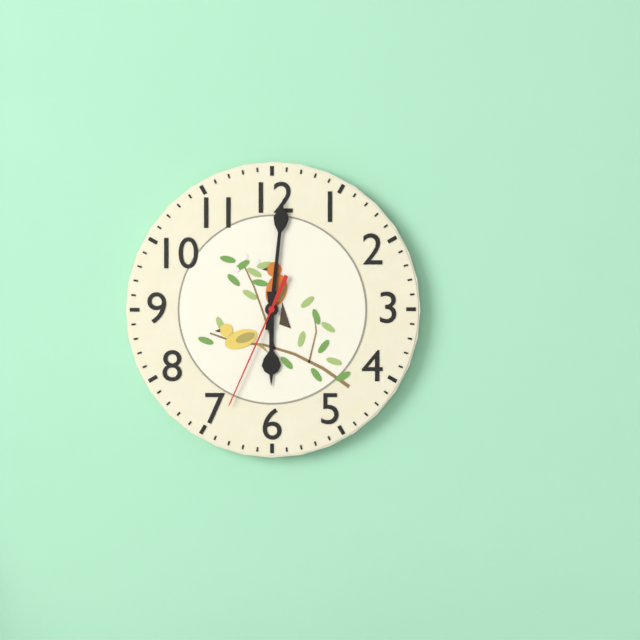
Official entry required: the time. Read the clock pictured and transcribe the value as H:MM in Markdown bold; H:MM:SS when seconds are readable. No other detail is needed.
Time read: **6:01:34**
